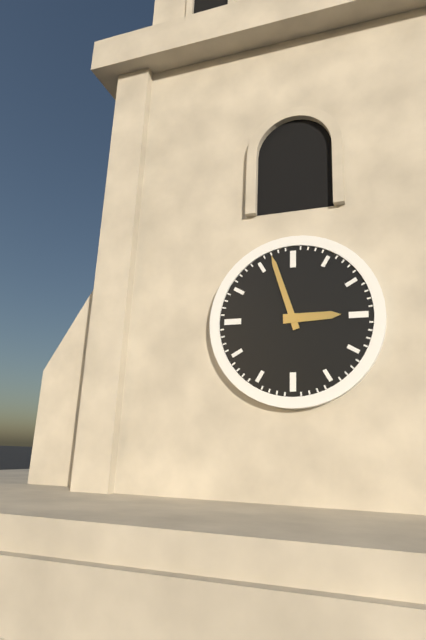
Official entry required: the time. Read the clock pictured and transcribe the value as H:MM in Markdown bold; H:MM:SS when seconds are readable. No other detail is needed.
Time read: **2:57**
